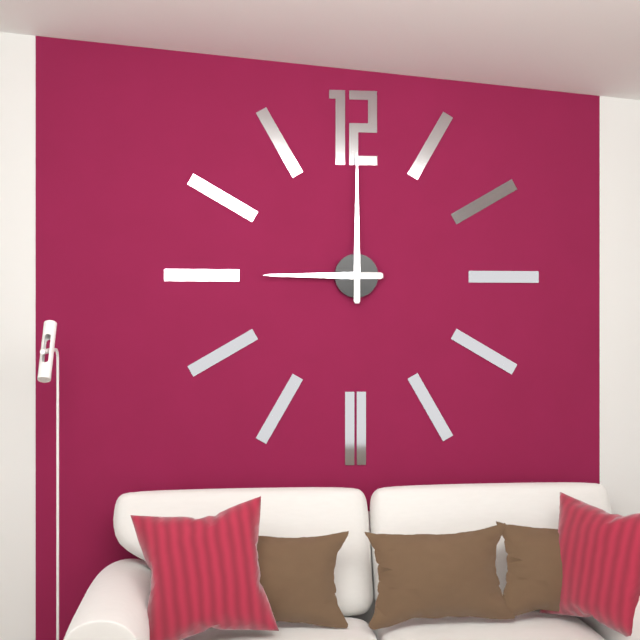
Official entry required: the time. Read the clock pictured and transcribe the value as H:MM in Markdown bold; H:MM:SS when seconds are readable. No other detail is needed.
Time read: **9:00**
